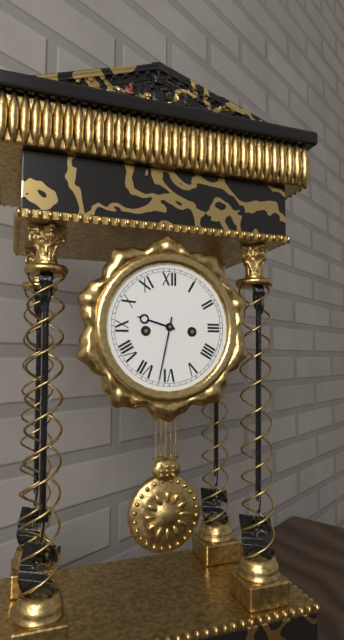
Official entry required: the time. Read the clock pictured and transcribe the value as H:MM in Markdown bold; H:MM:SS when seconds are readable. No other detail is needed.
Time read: **9:32**
